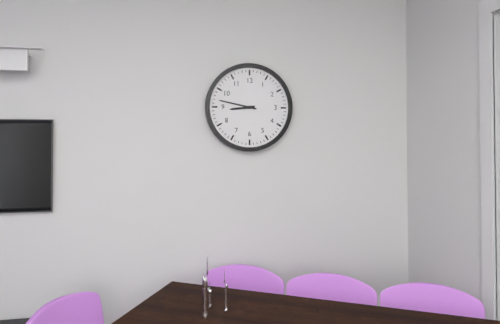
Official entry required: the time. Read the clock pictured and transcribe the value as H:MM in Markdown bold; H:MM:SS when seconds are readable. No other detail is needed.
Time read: **8:47**
